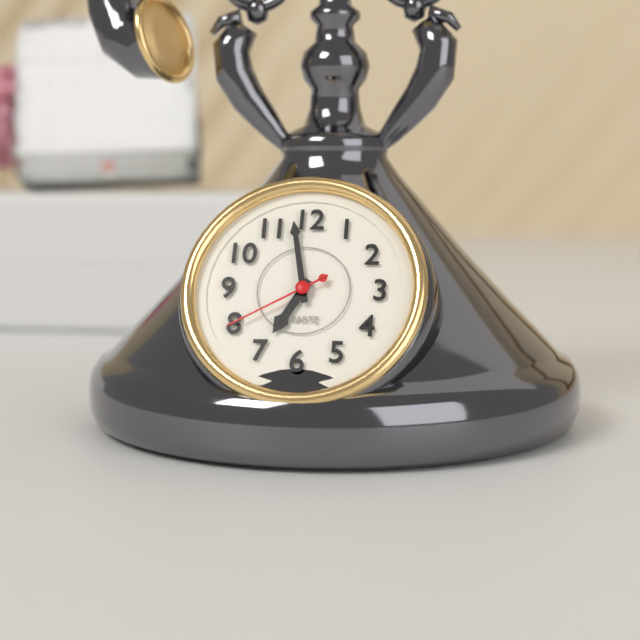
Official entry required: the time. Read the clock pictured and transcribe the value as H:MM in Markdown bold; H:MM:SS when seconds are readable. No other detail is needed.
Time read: **6:58:40**
